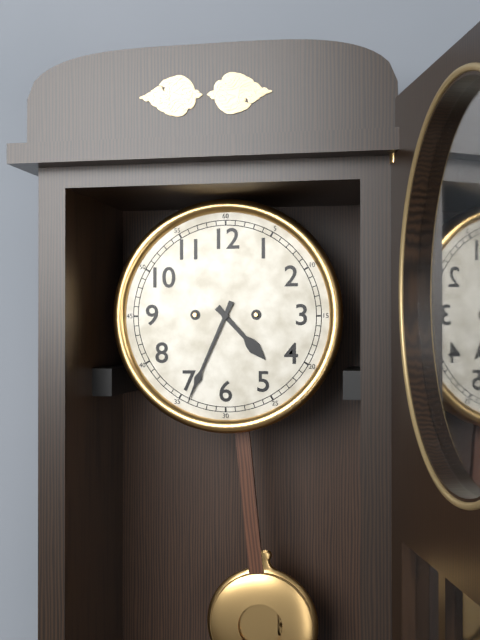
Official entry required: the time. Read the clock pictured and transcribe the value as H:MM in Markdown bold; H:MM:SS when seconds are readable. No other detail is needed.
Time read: **4:34**
